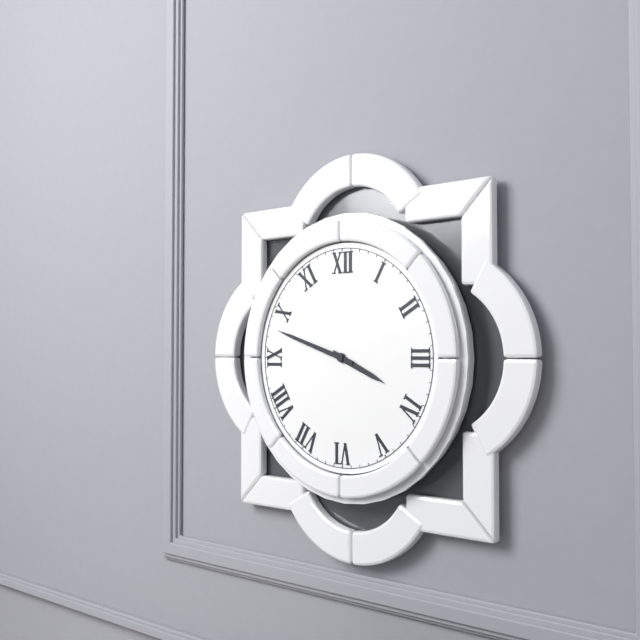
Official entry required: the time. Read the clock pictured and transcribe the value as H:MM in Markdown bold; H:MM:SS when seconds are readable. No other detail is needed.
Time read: **3:48**
